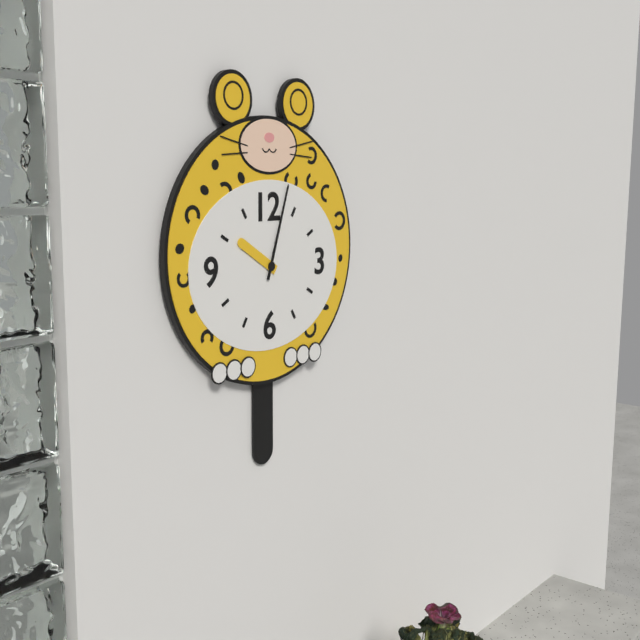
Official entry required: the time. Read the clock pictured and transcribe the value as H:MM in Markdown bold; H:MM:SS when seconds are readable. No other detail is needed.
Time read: **10:03**
